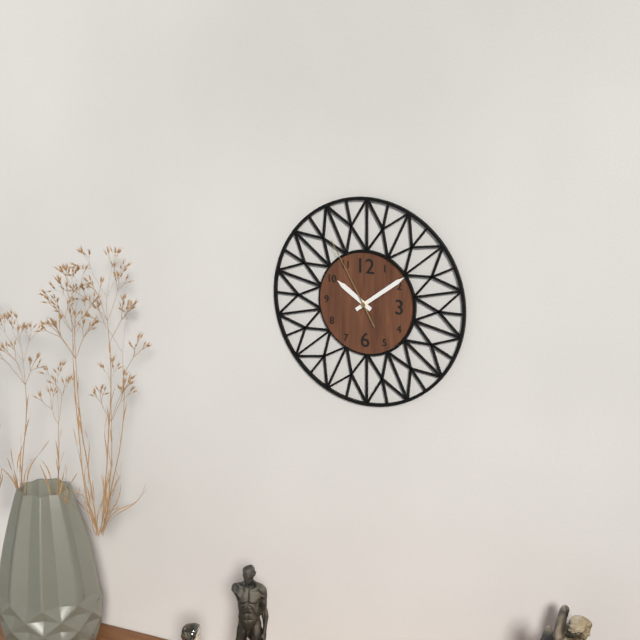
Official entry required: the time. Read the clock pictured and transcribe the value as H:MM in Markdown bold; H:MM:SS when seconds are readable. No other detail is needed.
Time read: **10:09:55**
